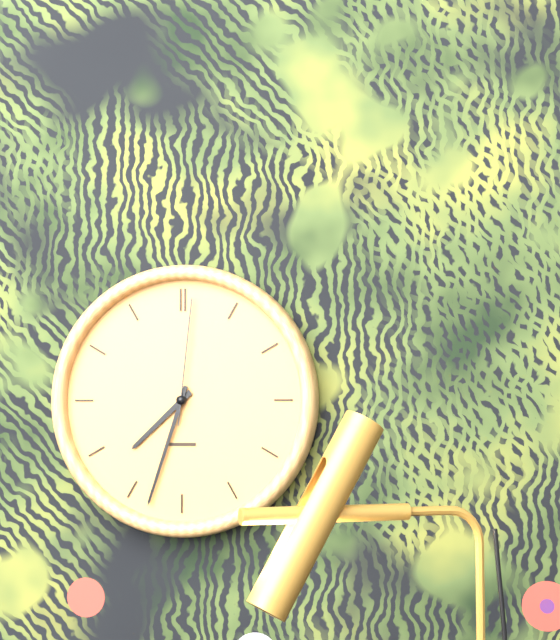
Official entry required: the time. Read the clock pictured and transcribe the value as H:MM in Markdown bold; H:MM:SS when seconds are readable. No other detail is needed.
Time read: **7:33:01**
